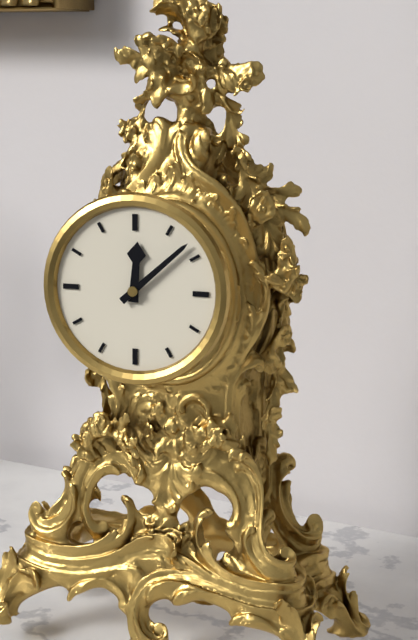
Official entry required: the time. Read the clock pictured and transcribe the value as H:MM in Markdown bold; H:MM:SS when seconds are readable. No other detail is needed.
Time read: **12:08**
